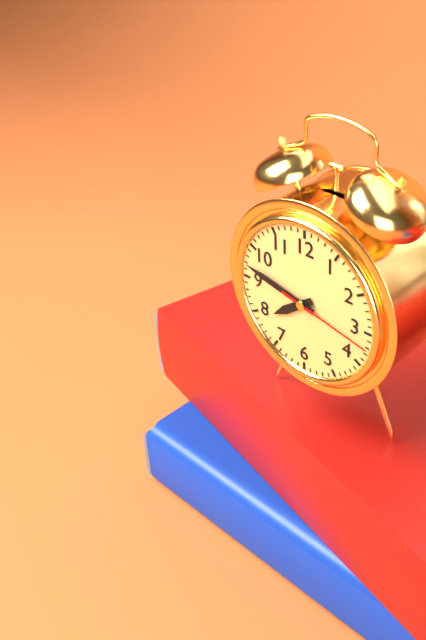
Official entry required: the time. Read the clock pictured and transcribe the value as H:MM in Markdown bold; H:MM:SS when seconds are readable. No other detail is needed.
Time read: **7:47:17**
